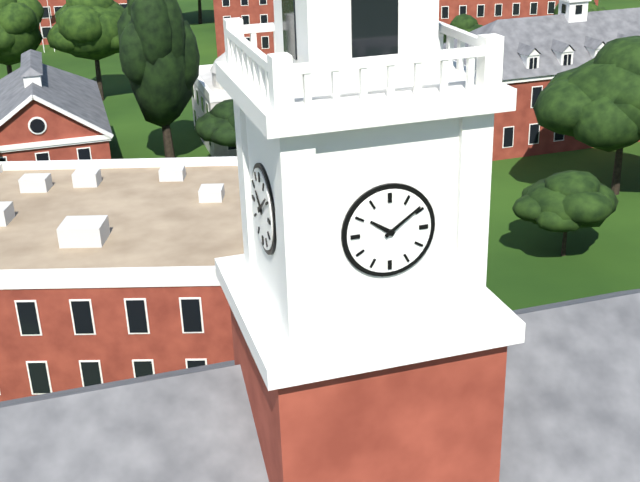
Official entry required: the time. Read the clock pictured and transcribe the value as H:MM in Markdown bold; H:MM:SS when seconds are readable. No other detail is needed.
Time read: **10:09**
